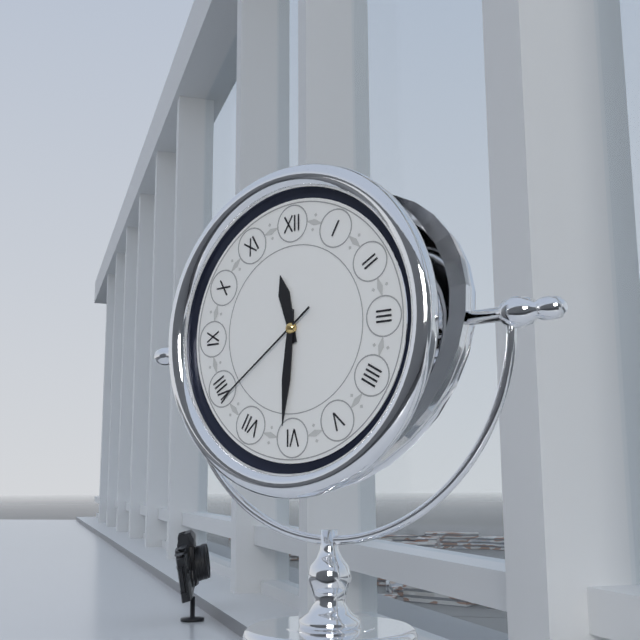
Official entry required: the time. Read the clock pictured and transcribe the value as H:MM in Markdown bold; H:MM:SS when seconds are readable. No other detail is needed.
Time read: **11:31:39**
